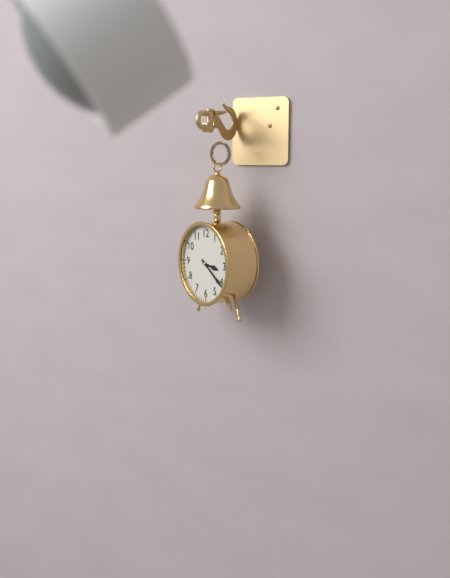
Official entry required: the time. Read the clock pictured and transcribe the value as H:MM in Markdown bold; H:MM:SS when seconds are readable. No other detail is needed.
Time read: **3:21**
